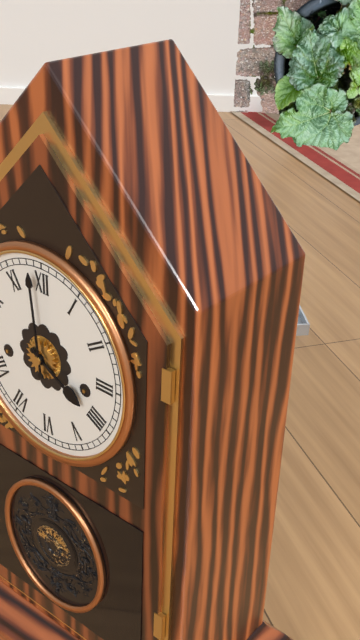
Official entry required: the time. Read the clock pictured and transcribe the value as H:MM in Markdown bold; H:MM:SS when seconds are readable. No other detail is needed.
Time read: **3:59**
